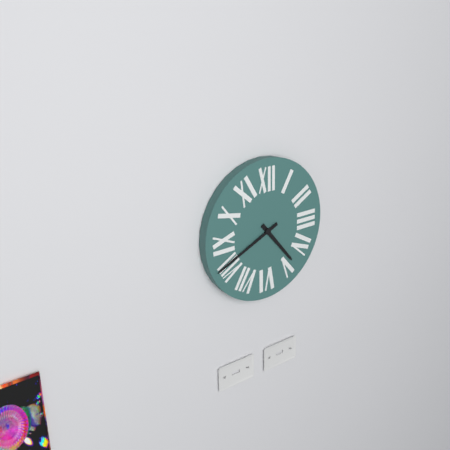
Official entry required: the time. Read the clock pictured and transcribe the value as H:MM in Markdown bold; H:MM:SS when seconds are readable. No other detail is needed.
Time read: **4:41**
